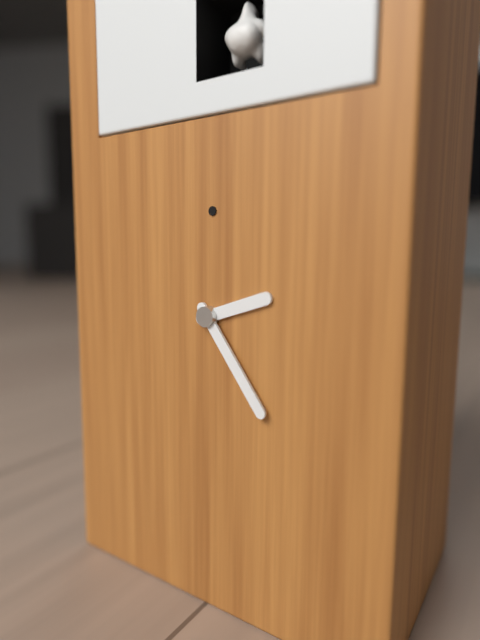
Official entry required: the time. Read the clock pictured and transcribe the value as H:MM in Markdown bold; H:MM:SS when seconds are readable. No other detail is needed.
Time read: **2:24**
